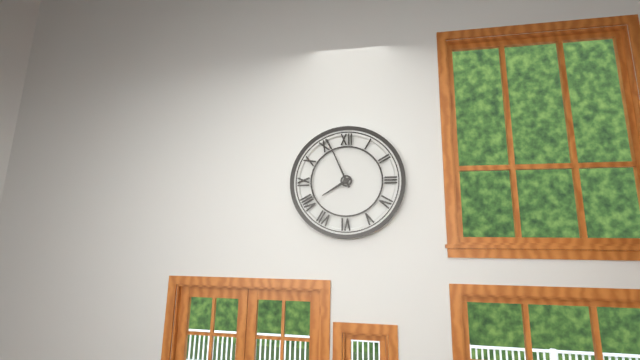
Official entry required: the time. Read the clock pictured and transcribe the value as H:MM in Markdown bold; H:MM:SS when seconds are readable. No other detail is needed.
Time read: **7:56**
